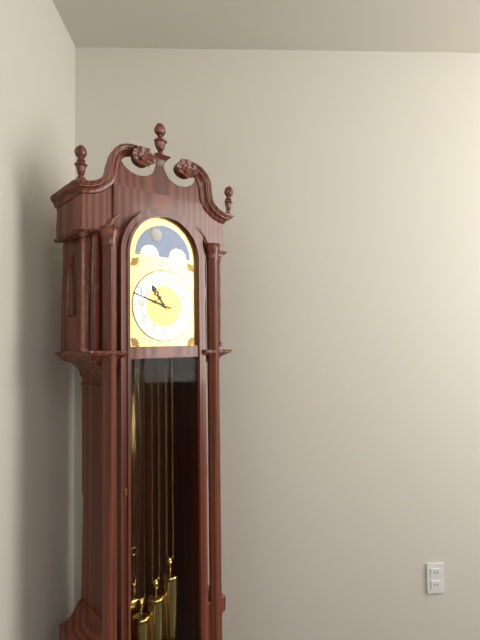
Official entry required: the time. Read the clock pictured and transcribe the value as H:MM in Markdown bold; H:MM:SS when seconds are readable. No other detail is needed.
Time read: **10:48**
